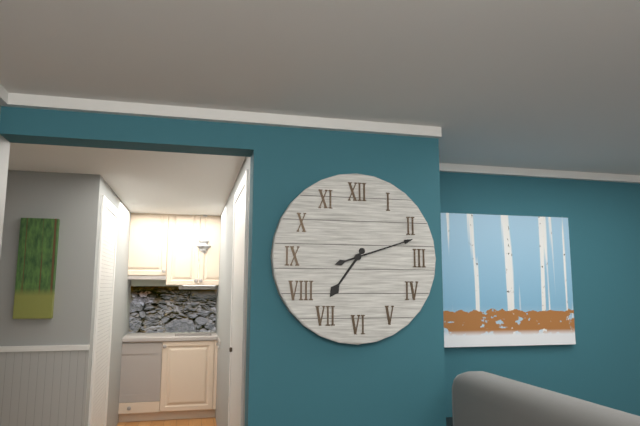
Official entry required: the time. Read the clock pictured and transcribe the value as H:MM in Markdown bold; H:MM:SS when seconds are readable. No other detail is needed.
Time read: **7:12**
